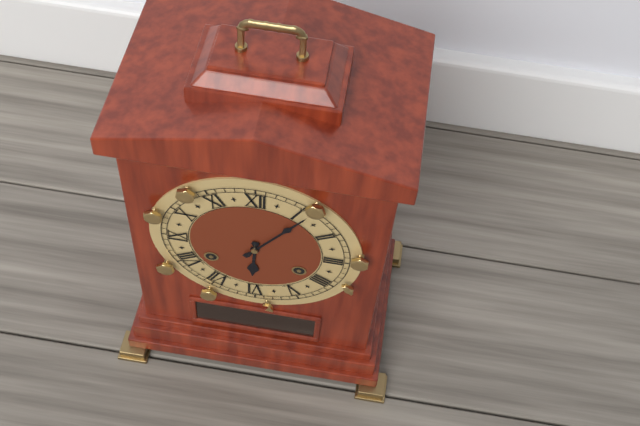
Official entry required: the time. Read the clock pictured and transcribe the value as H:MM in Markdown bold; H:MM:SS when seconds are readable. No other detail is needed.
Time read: **6:06**
